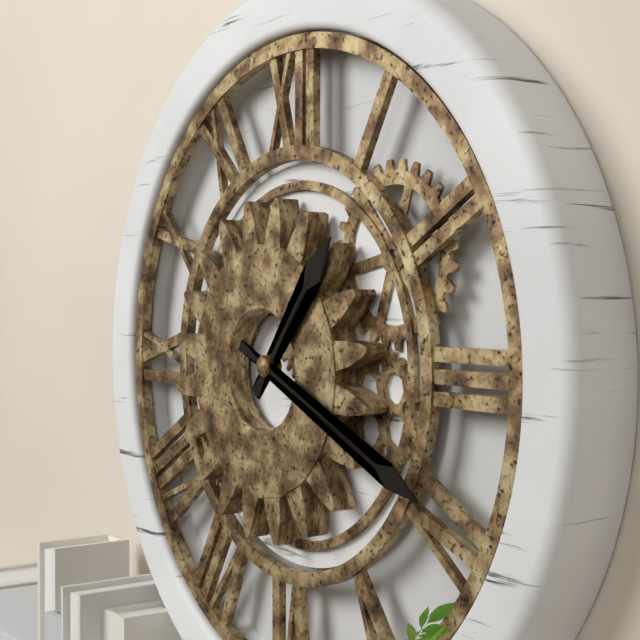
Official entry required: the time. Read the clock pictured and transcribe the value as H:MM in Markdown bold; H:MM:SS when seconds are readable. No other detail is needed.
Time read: **1:19**
